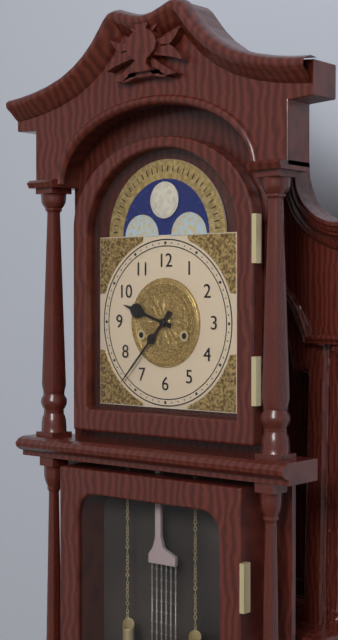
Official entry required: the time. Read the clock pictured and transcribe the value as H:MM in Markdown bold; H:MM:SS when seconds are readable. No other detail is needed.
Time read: **9:37**
